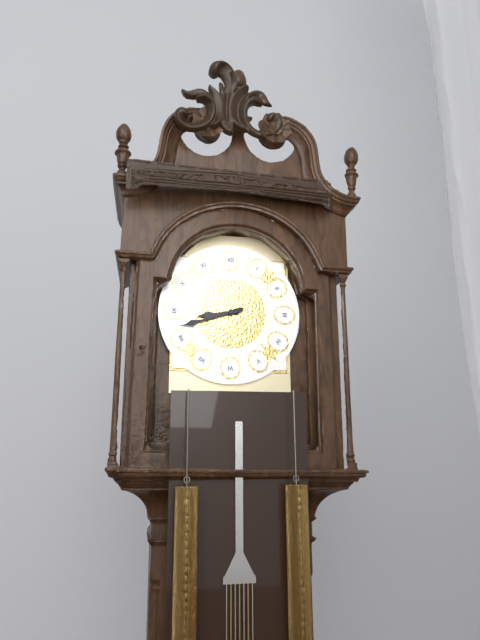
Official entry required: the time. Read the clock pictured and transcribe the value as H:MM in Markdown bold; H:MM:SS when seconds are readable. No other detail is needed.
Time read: **8:42**
